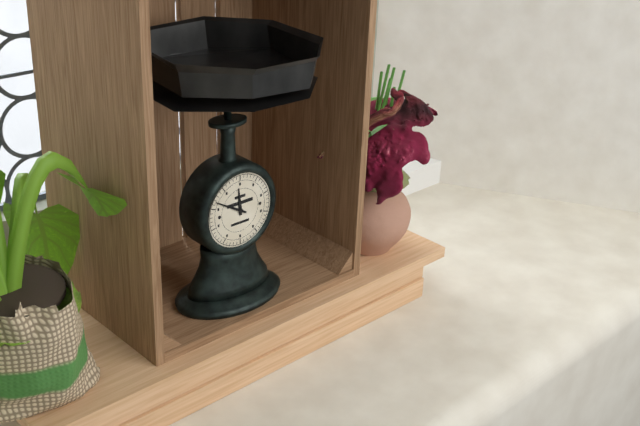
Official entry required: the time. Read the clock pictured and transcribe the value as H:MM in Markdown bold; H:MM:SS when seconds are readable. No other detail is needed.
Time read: **11:50**
